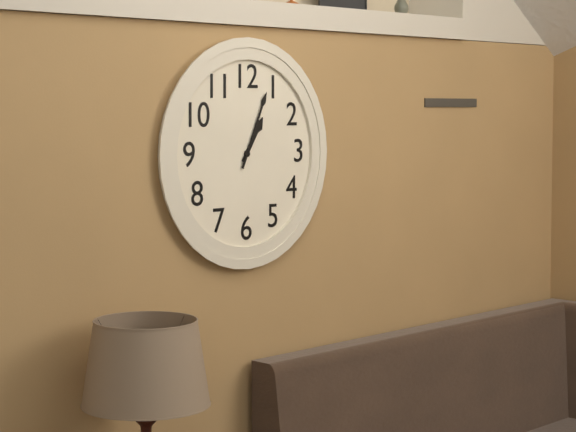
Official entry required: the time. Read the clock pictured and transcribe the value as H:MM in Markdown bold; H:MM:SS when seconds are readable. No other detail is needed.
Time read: **1:04**
